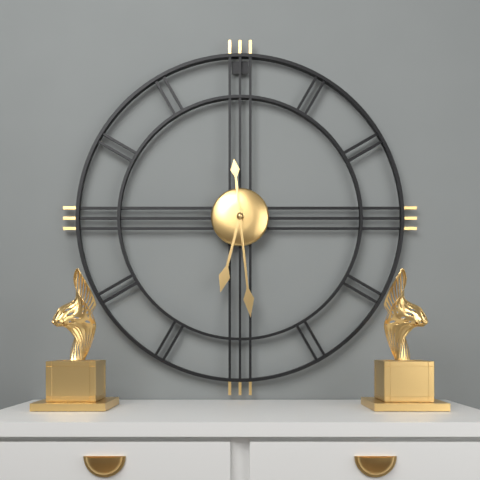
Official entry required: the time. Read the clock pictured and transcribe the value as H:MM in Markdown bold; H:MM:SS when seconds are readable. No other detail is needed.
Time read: **6:29**
